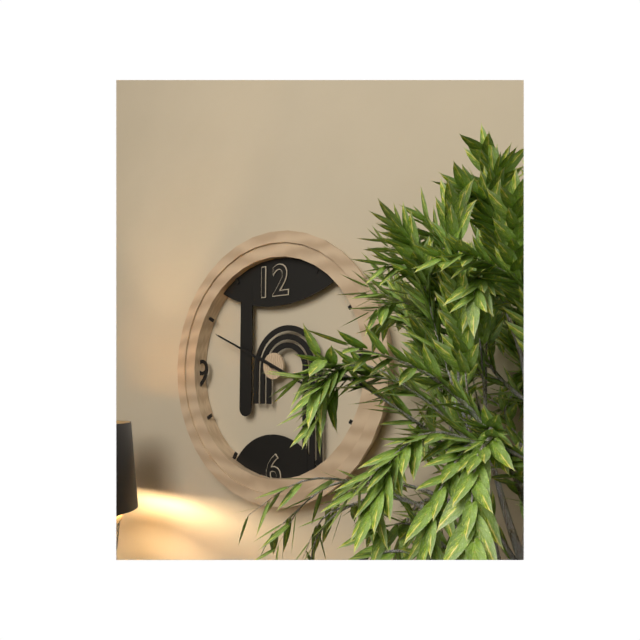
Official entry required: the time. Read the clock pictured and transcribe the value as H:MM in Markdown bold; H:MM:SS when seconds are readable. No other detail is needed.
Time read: **3:49**
